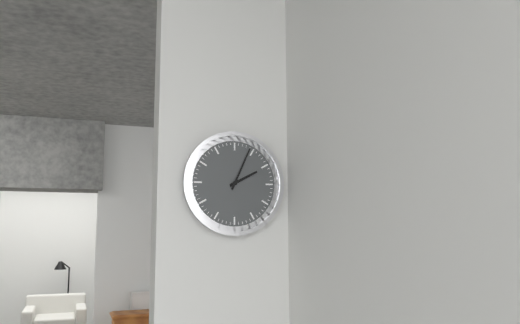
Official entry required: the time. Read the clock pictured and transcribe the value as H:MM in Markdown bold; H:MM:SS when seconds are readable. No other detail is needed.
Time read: **2:04**
